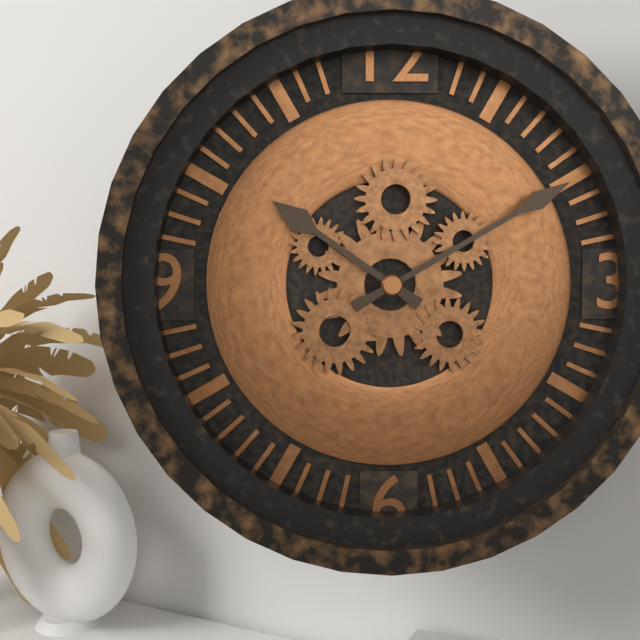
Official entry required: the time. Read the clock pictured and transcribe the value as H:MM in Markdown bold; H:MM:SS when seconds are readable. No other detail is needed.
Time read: **10:10**
